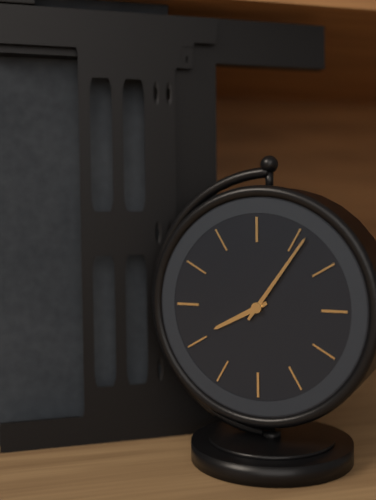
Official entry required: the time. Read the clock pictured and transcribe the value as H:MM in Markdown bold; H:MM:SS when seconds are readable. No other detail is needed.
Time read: **8:06**
